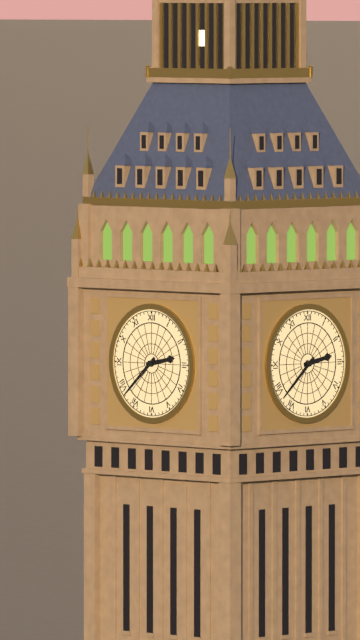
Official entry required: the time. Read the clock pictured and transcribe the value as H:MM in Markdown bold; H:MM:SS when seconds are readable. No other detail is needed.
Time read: **2:38**
